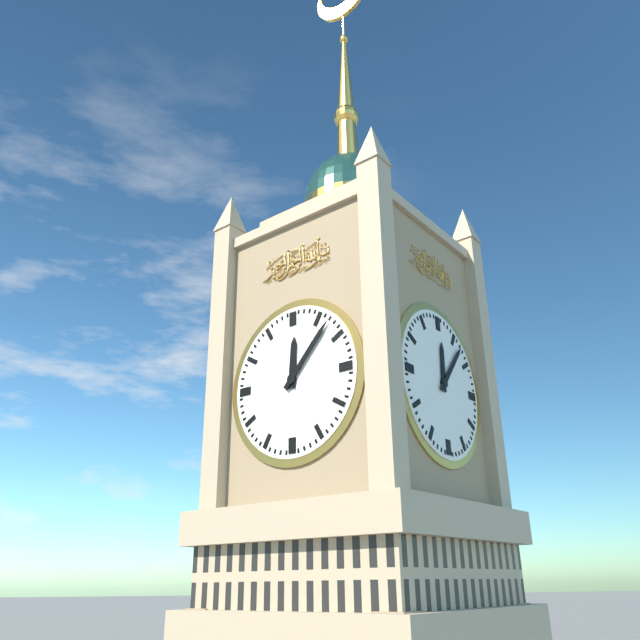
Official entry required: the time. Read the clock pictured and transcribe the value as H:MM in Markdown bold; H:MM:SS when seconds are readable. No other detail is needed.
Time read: **12:07**
